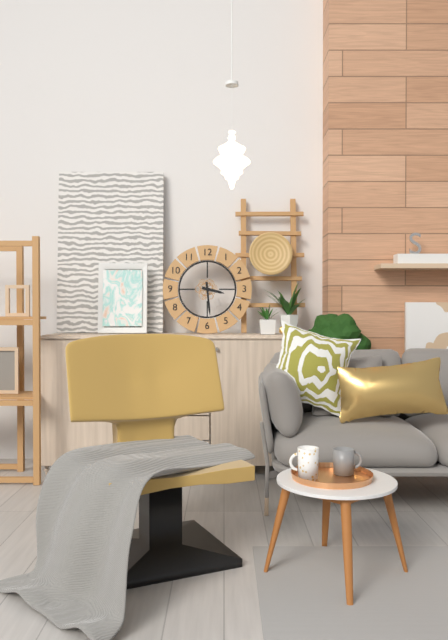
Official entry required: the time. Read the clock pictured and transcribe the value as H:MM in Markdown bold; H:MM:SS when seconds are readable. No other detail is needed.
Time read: **3:29**
